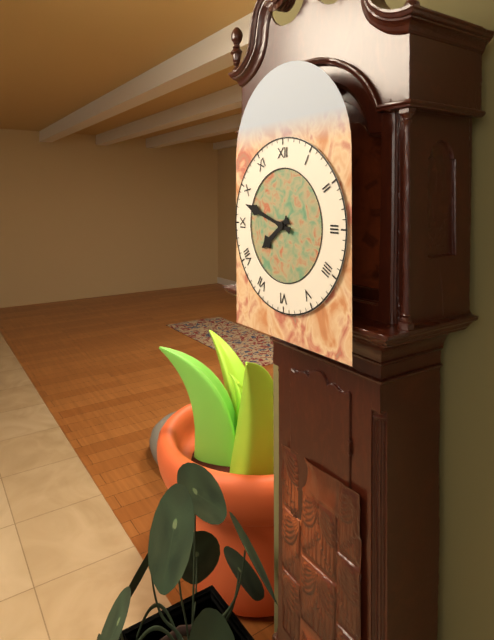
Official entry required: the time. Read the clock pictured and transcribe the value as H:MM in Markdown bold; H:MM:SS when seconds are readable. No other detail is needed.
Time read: **7:48**
